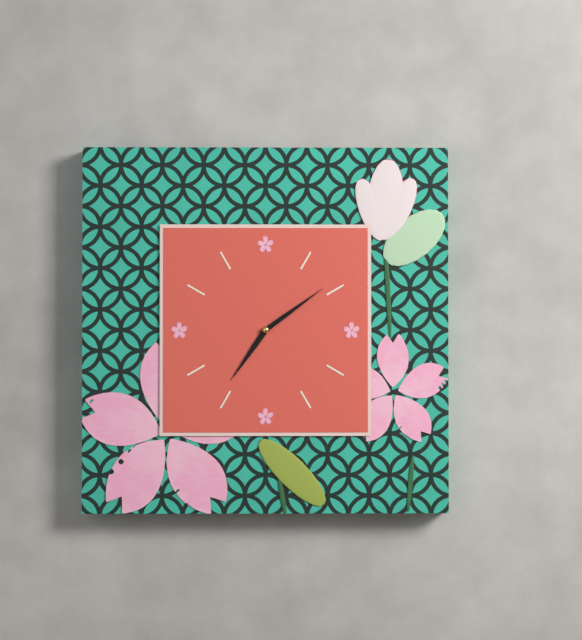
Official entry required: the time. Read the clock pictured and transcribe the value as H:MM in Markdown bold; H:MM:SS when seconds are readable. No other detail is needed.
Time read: **7:09**
